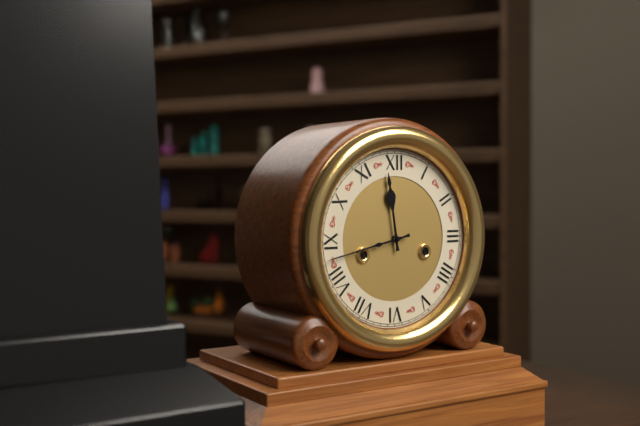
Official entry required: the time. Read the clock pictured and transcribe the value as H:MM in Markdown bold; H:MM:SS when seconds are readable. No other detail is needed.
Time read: **11:43**
